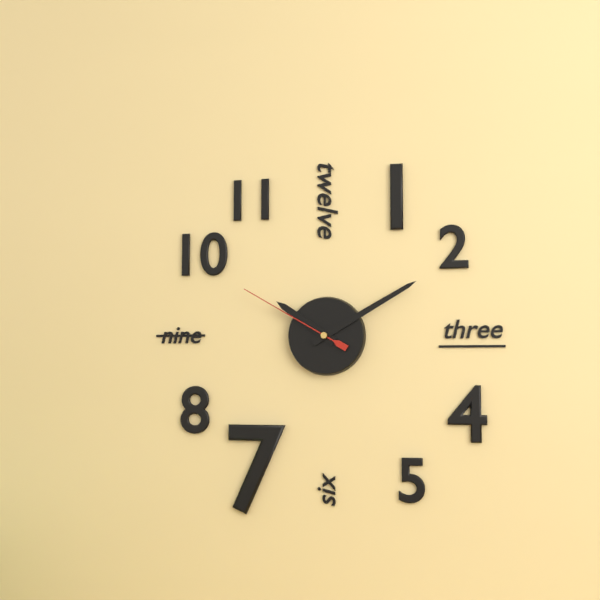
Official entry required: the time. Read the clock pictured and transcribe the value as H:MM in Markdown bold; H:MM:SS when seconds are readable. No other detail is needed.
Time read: **10:10:50**
